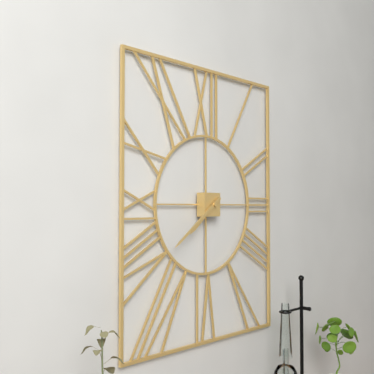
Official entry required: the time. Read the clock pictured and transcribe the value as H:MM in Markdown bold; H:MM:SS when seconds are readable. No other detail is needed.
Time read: **7:39**
